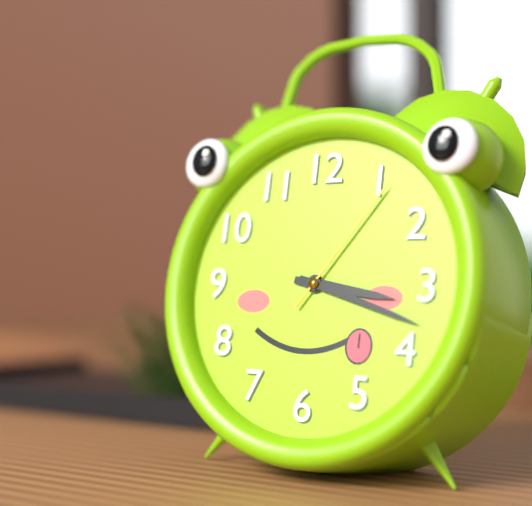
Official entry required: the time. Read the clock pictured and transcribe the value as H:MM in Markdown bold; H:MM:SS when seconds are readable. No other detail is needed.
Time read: **3:18:06**
